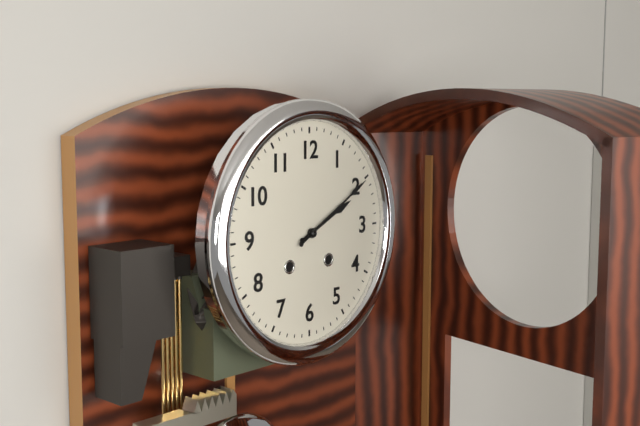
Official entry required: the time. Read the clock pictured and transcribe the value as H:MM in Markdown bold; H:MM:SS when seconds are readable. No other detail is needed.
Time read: **2:10**
